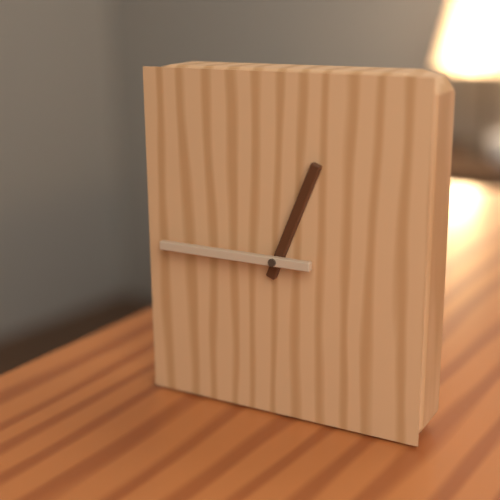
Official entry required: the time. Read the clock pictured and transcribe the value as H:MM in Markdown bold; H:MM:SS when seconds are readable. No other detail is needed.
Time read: **12:45**
